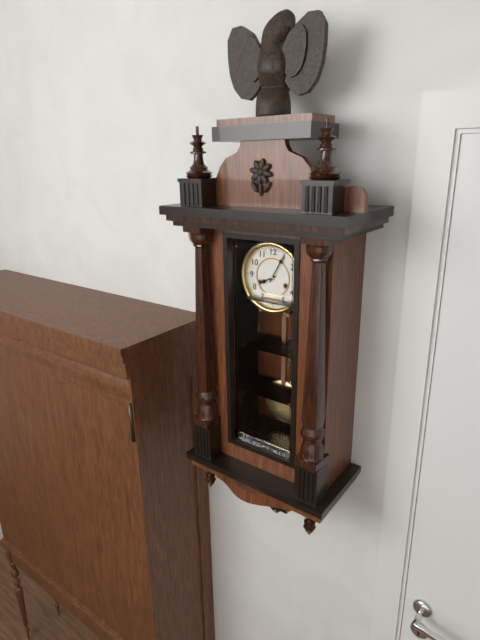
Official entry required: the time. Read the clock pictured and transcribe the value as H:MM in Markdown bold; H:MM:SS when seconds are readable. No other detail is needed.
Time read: **8:05**
